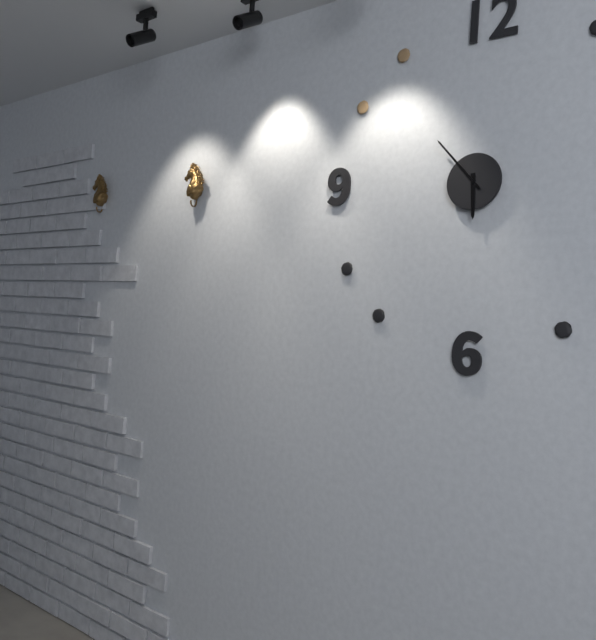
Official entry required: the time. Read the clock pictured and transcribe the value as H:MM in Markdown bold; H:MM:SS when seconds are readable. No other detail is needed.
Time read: **5:53**
